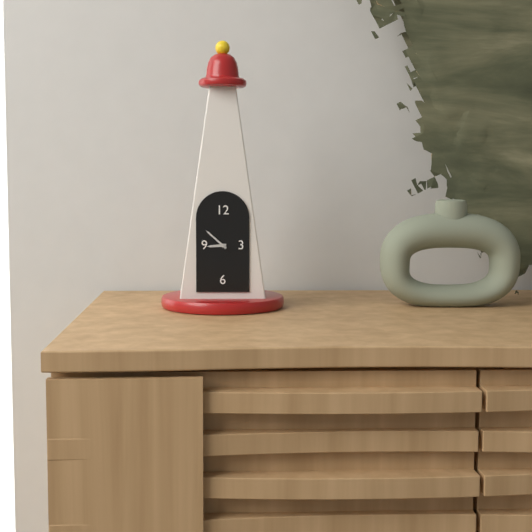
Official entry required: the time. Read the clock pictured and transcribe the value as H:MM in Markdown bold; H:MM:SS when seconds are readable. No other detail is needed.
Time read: **8:52**
